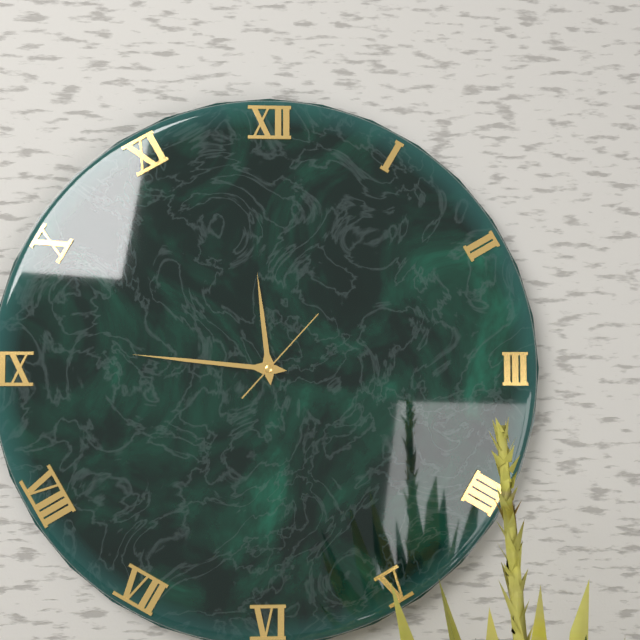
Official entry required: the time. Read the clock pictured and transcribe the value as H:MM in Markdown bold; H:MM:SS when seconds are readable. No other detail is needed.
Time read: **11:46:07**
